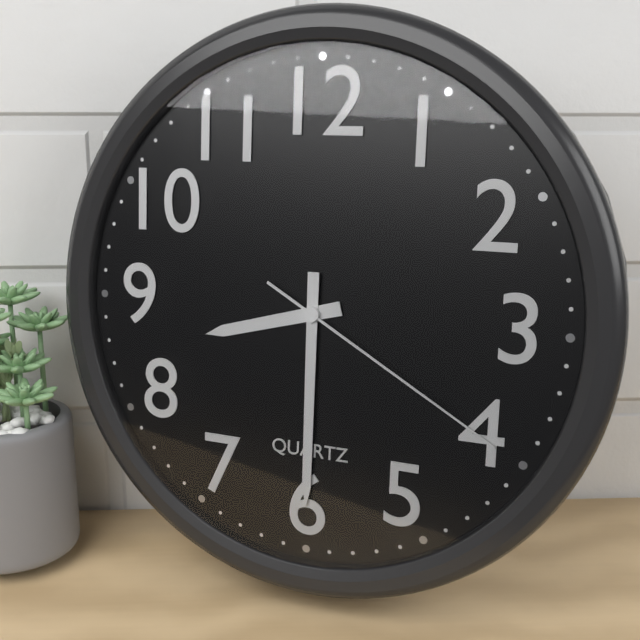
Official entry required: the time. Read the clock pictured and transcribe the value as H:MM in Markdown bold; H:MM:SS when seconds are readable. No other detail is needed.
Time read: **8:30:20**
